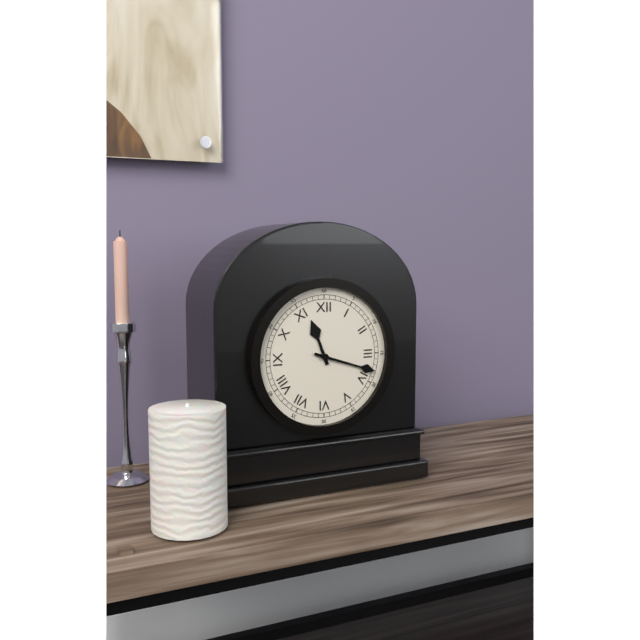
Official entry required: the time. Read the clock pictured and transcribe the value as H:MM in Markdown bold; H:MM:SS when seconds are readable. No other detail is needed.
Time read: **11:18**
